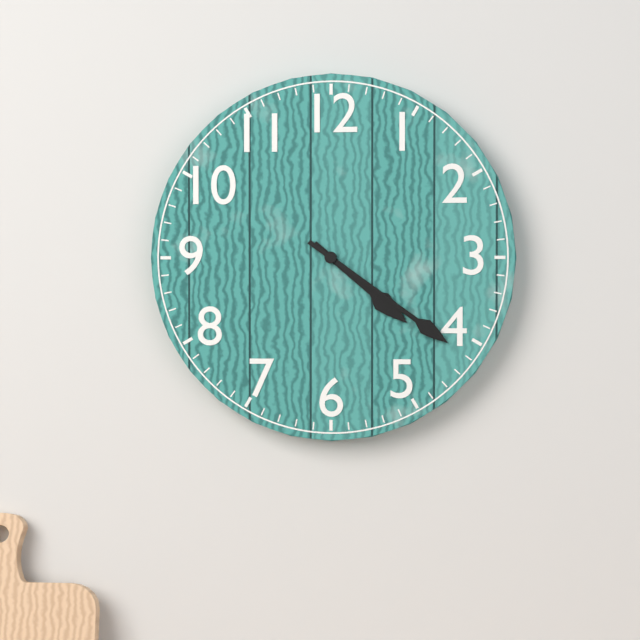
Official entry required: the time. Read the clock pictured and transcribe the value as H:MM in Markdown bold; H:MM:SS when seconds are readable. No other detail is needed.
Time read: **4:21**
